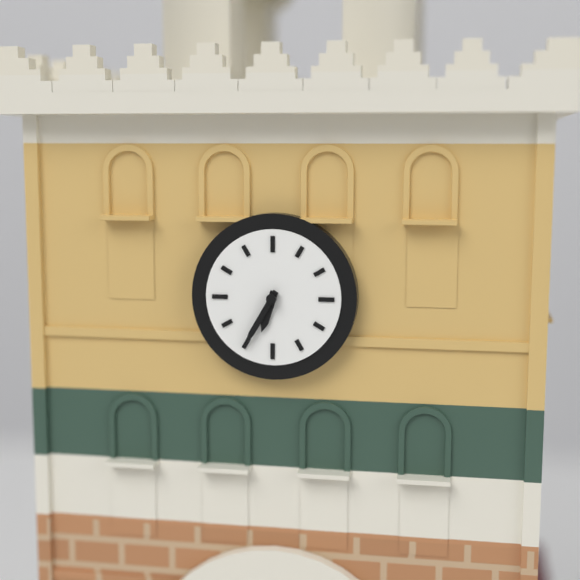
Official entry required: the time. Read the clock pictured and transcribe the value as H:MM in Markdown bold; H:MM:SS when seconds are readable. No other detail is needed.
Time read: **6:35**
